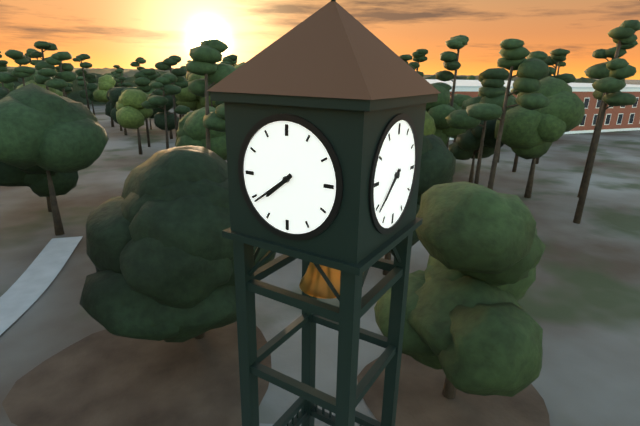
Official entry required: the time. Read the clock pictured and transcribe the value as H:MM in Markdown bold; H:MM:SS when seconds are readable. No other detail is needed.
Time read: **7:39**
